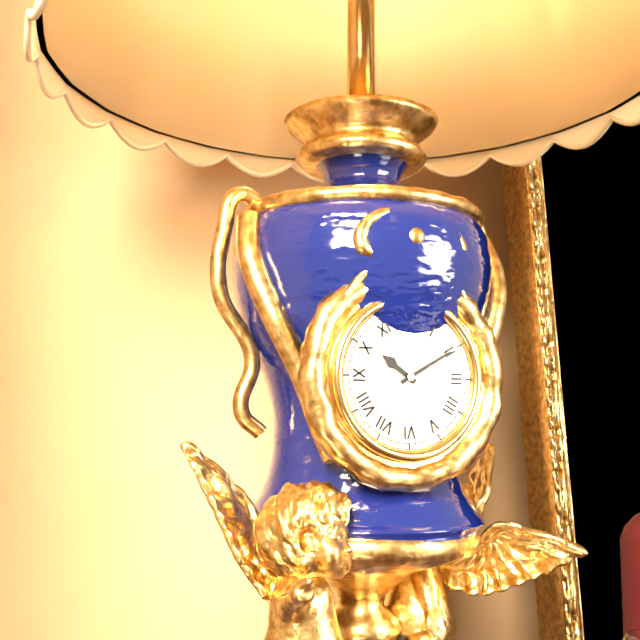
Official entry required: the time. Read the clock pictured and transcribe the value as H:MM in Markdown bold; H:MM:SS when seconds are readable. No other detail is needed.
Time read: **10:10**
